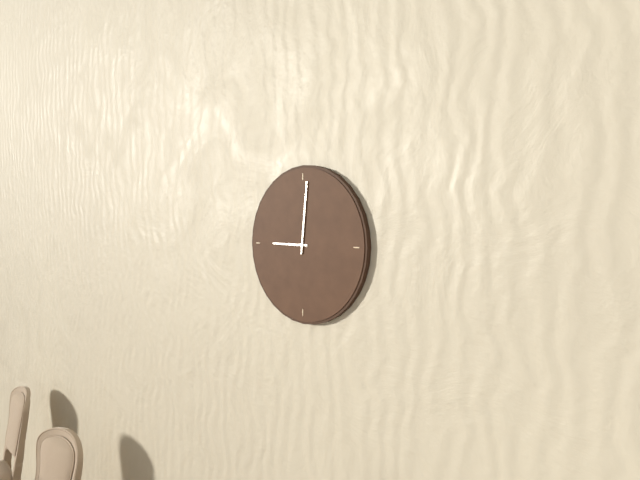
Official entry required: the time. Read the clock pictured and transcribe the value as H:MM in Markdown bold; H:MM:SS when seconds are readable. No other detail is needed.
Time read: **9:01**
